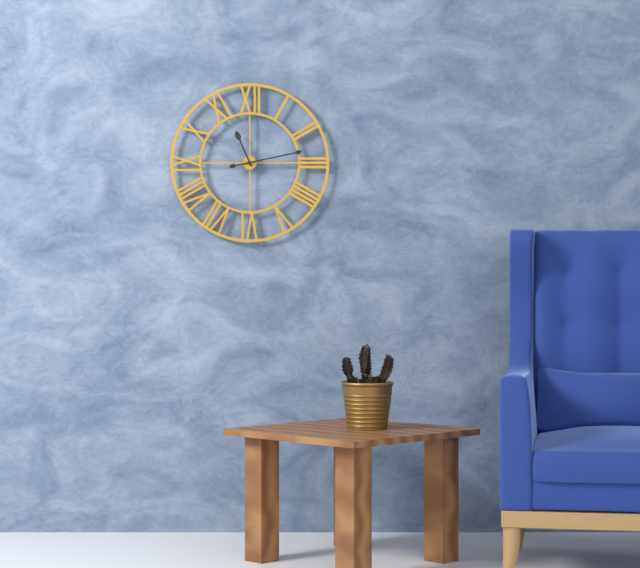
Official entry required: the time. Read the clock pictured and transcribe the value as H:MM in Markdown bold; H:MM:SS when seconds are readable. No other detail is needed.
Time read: **11:13**
